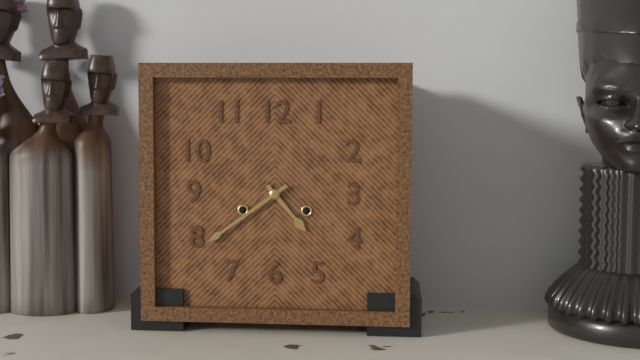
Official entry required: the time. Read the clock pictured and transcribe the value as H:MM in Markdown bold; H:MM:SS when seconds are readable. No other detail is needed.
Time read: **4:39**
